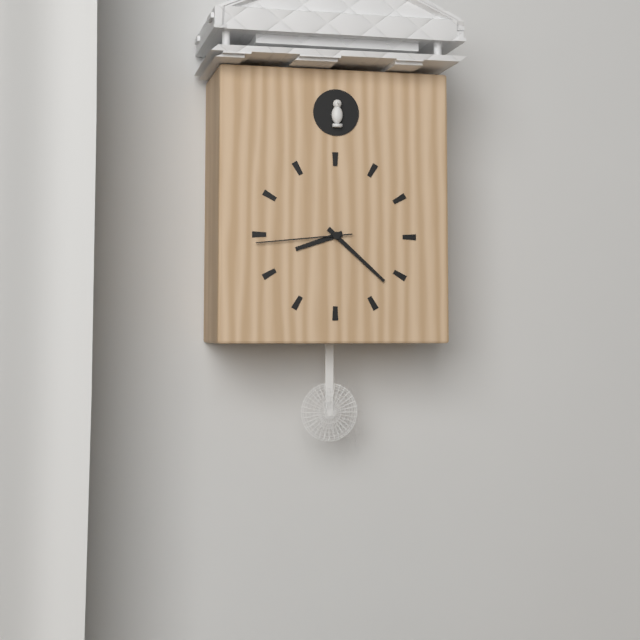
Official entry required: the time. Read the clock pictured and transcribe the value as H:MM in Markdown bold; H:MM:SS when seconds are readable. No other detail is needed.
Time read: **8:22:44**
